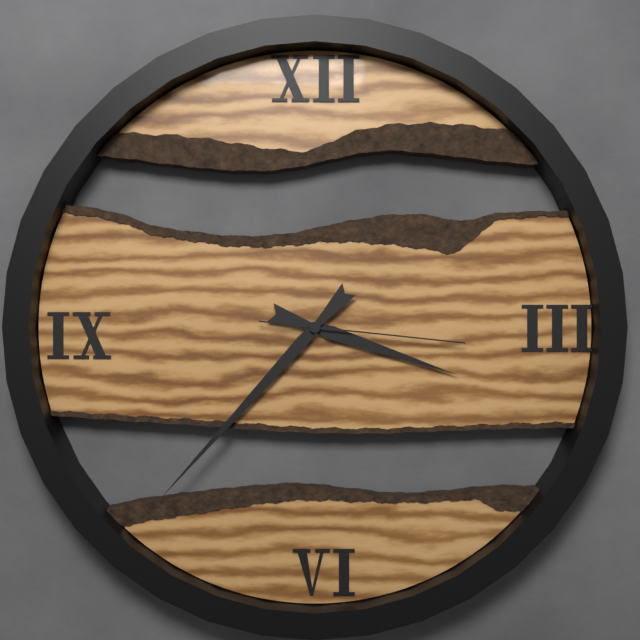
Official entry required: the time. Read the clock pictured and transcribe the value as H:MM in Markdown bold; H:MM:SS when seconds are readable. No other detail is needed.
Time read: **3:37:16**
